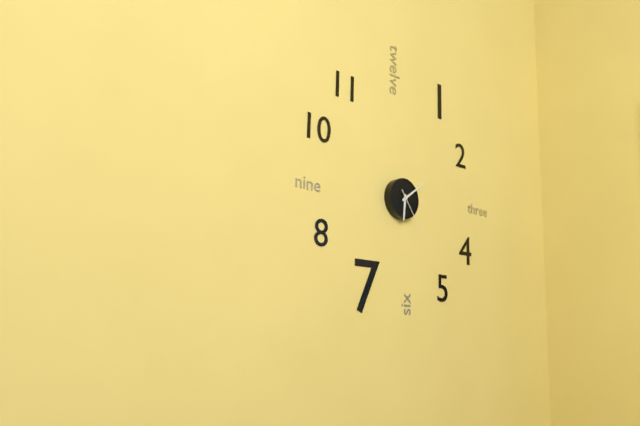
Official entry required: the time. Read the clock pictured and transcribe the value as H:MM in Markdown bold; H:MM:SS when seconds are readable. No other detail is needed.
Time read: **6:09**
